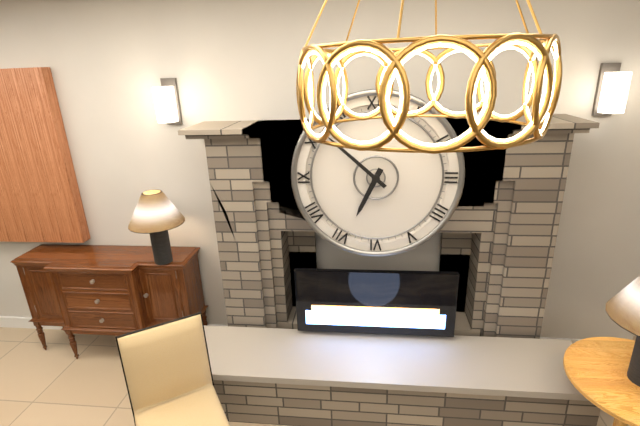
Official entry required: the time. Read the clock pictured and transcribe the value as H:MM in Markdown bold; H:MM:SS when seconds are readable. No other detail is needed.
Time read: **6:52**
